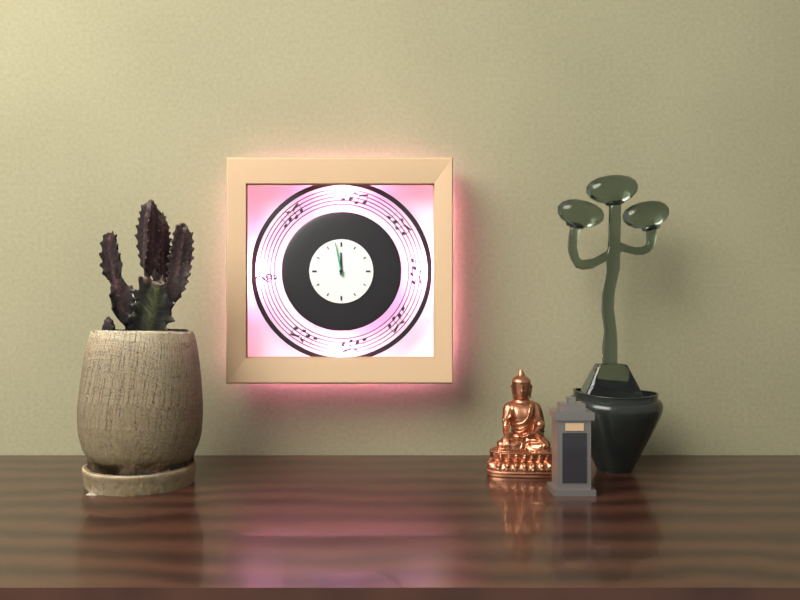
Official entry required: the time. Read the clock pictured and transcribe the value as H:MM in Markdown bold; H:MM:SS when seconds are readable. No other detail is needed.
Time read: **11:58**
